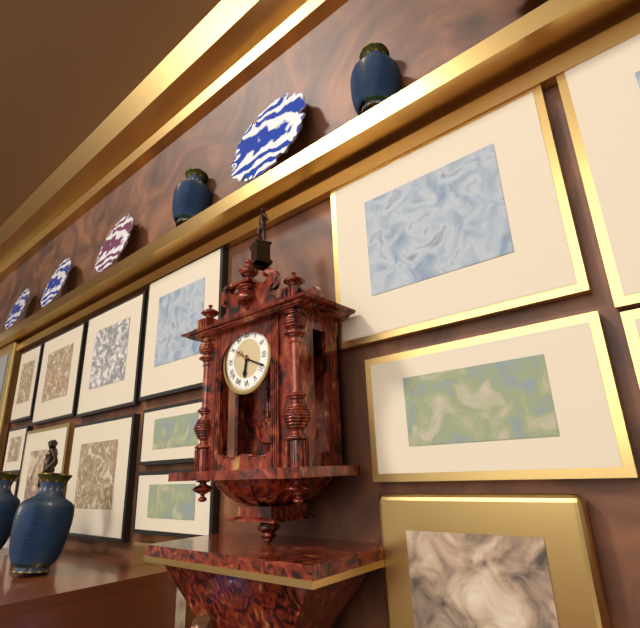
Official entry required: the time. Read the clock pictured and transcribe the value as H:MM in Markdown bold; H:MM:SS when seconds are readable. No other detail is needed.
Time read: **6:19**
